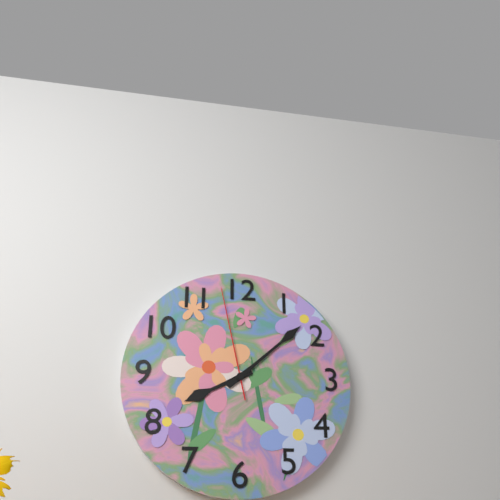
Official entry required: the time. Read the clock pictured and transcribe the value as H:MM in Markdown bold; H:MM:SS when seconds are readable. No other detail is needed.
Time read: **8:08:58**
